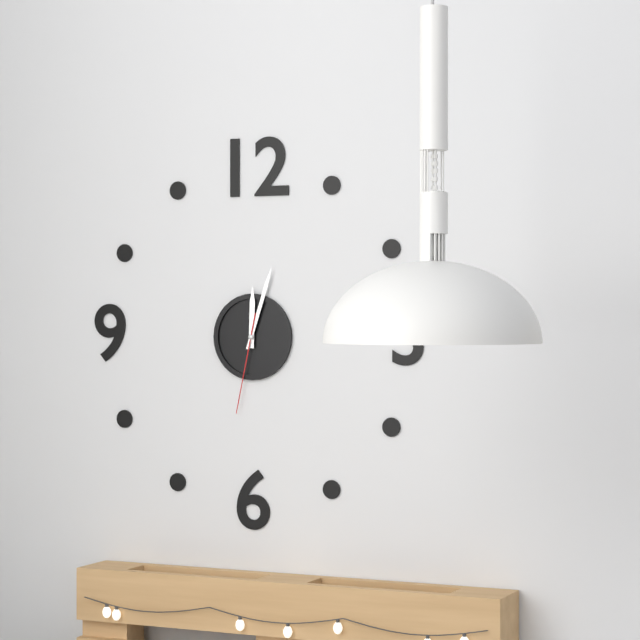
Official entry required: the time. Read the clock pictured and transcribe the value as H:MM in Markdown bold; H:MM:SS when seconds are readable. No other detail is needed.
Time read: **12:03:32**
